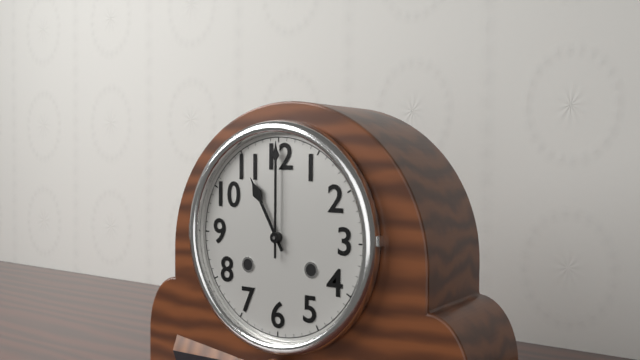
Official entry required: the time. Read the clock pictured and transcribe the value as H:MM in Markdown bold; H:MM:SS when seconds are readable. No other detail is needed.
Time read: **11:00**
